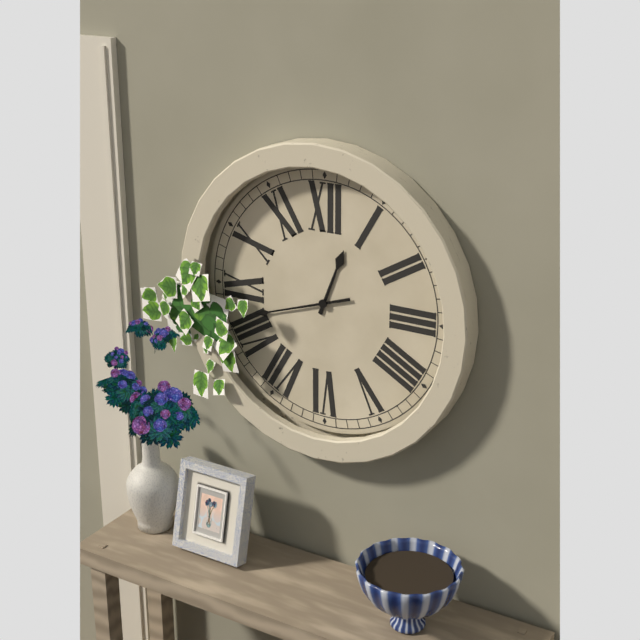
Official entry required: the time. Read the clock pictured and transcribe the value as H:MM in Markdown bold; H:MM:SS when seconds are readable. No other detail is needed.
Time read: **12:42**
